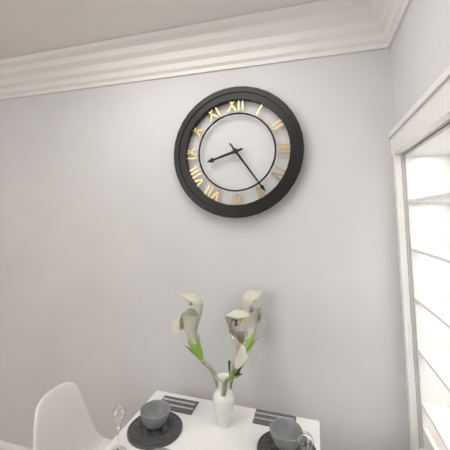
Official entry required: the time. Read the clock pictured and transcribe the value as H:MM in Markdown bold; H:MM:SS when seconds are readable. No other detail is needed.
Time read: **8:24**
